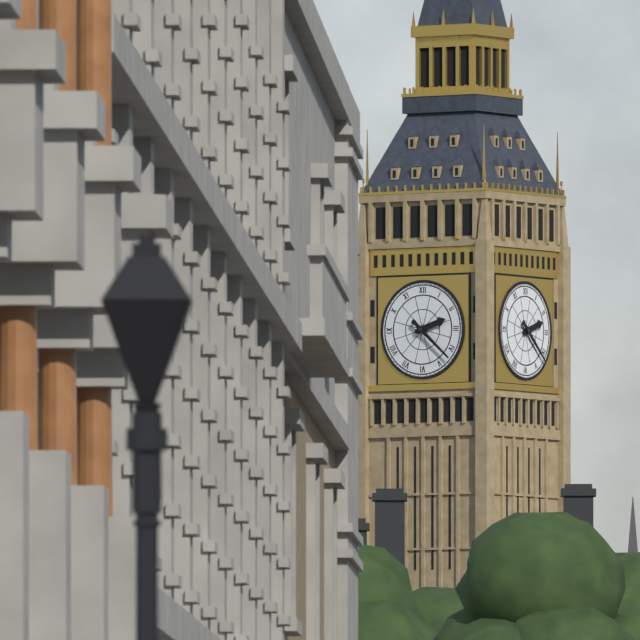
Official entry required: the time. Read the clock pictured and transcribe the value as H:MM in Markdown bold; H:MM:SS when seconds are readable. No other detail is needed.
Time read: **2:22**
